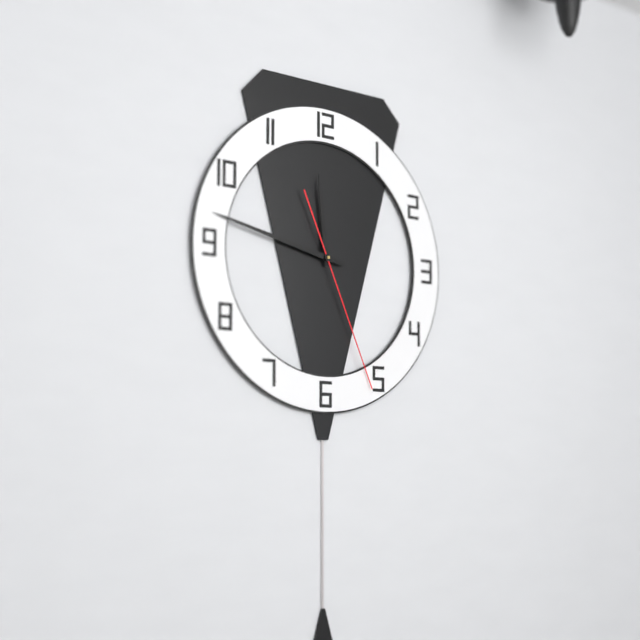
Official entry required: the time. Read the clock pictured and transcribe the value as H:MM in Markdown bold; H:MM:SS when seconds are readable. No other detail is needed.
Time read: **11:47:26**
